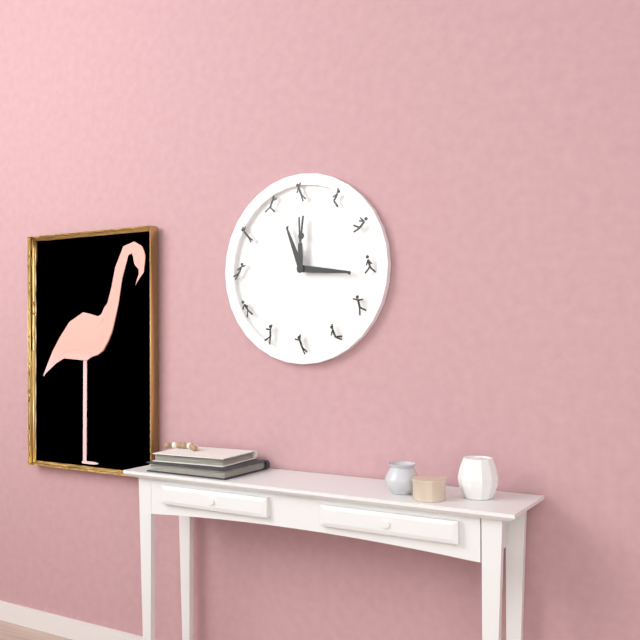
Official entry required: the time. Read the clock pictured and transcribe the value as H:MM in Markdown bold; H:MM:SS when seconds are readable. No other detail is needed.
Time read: **11:16**
